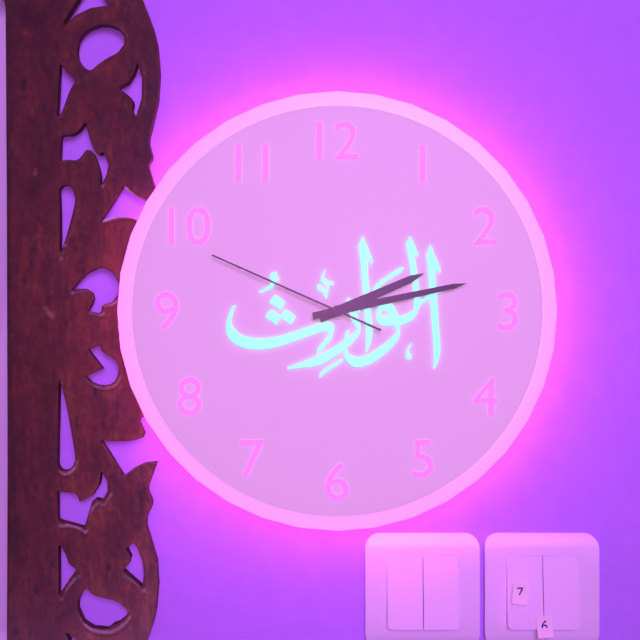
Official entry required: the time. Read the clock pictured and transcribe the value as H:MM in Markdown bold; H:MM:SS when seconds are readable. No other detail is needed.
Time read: **2:13:49**
